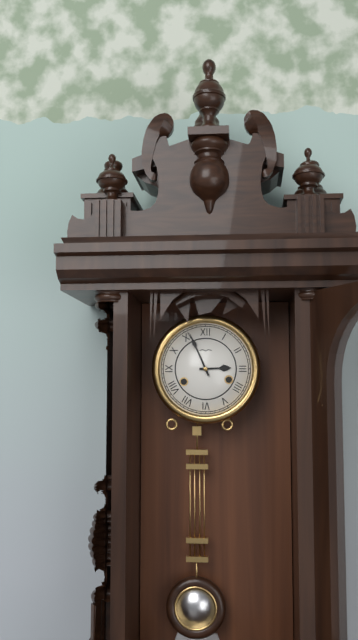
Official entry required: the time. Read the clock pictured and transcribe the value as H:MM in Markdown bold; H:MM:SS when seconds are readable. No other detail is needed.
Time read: **2:56**
